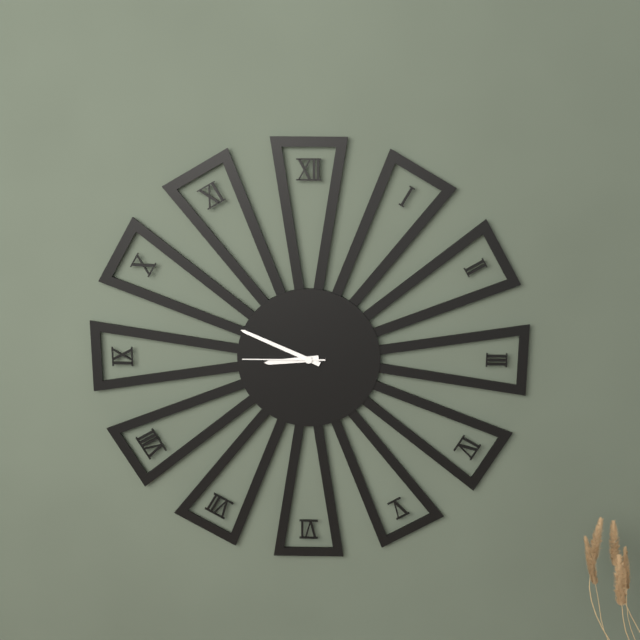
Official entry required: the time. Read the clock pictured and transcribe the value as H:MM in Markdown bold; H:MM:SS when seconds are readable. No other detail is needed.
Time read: **8:49:45**
